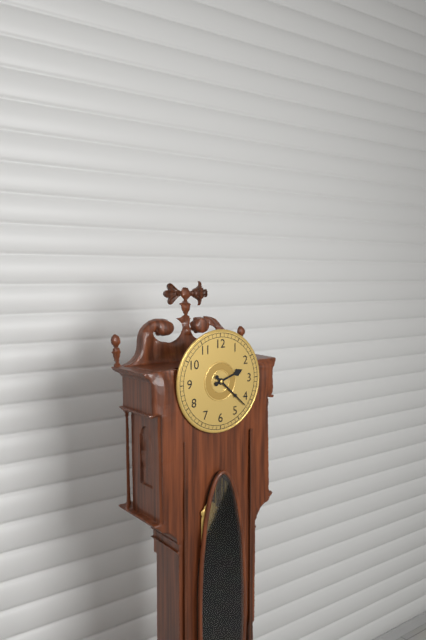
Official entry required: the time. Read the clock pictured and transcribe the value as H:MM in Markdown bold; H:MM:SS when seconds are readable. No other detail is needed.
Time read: **2:22**
